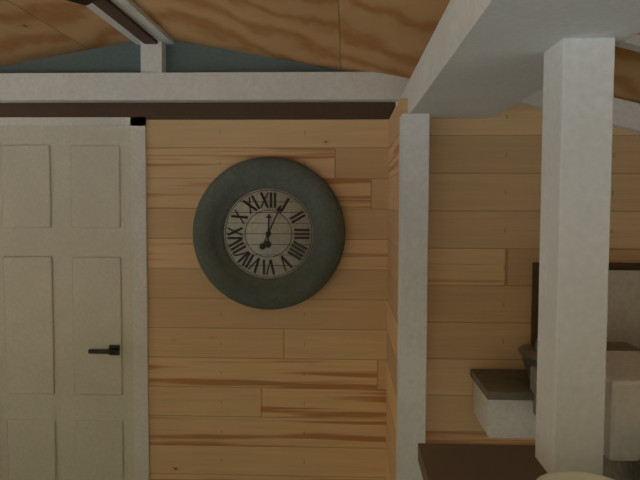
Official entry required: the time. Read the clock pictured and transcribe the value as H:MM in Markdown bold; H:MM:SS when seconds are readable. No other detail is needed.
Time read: **12:04**
